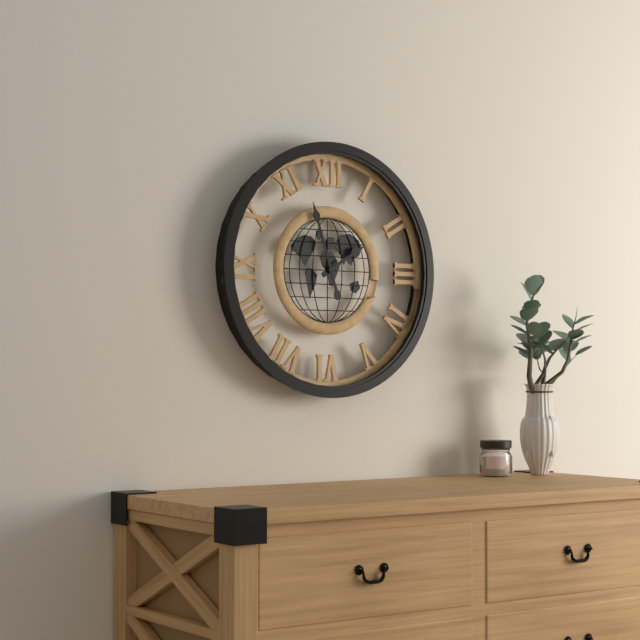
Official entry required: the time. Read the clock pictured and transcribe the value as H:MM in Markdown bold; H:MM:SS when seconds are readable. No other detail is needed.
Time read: **1:57**
